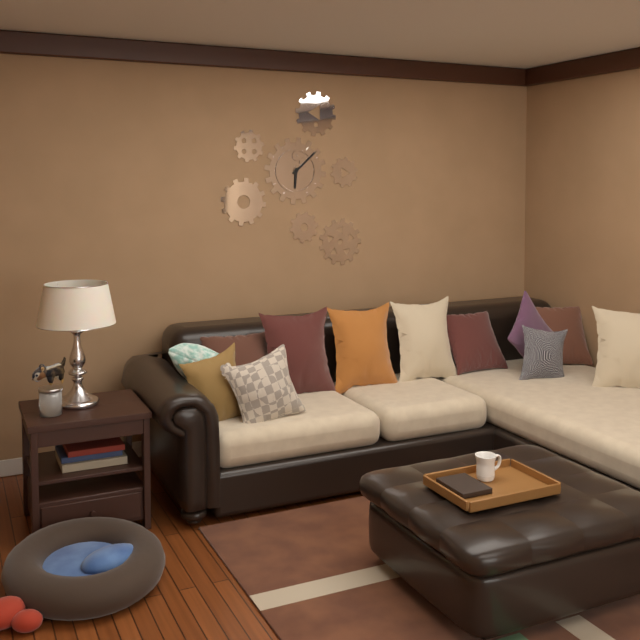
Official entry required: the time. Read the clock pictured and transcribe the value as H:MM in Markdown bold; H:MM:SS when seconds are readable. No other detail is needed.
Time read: **6:08**
